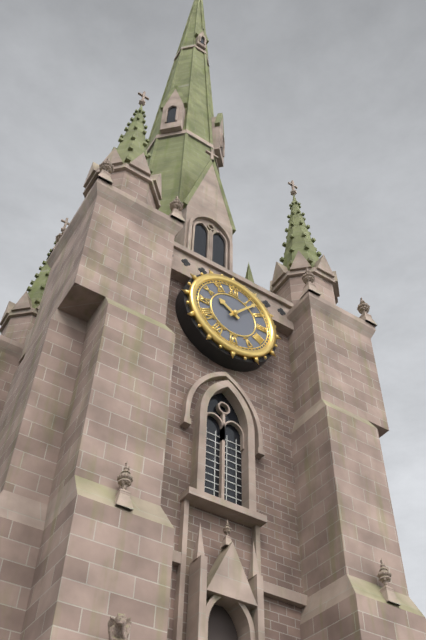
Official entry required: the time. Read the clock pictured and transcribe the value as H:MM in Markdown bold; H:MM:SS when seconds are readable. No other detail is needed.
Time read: **10:07**
